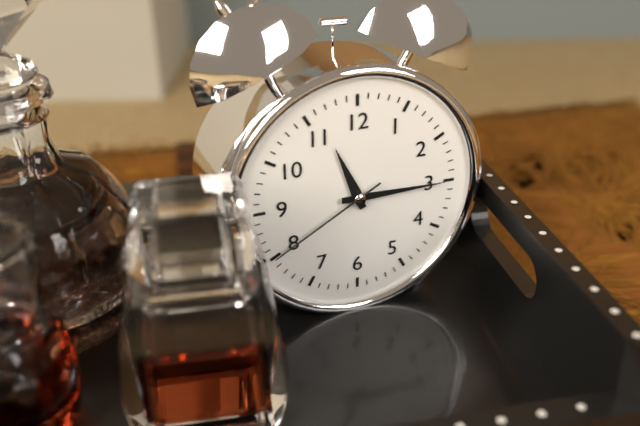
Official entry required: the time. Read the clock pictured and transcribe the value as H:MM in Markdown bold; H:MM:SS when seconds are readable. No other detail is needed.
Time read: **11:15:40**
